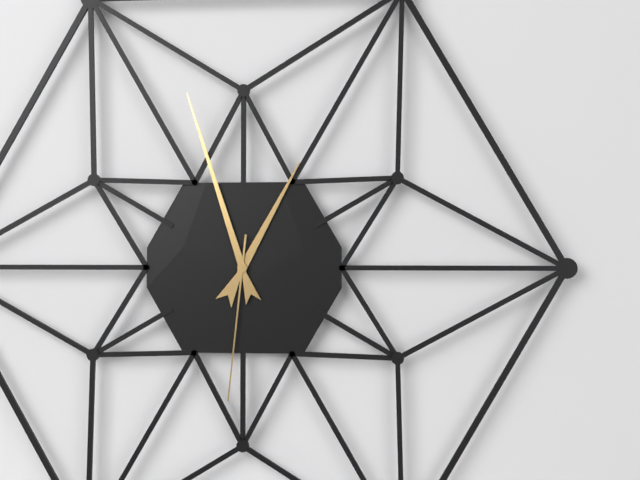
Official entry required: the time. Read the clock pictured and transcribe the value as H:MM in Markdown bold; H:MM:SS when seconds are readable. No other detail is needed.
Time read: **12:57:31**
